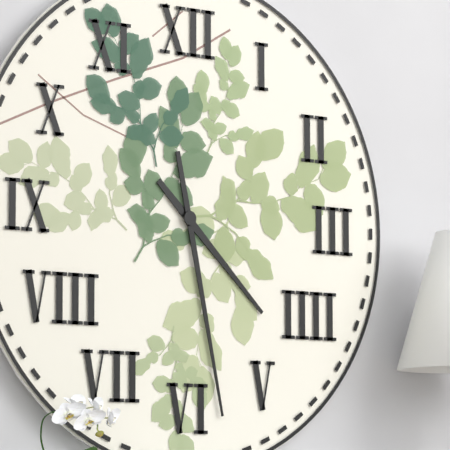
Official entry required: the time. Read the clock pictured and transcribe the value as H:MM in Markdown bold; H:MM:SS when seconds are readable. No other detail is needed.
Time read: **4:28**
